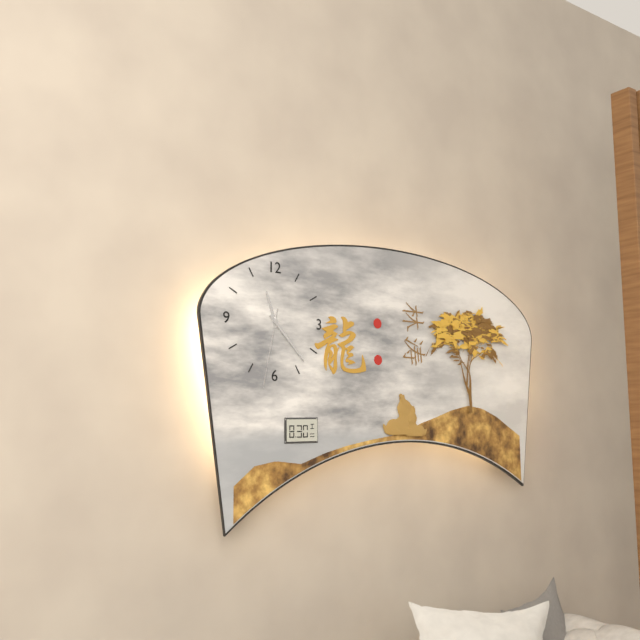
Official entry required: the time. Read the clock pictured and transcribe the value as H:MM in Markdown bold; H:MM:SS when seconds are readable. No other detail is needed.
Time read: **11:23:32**
